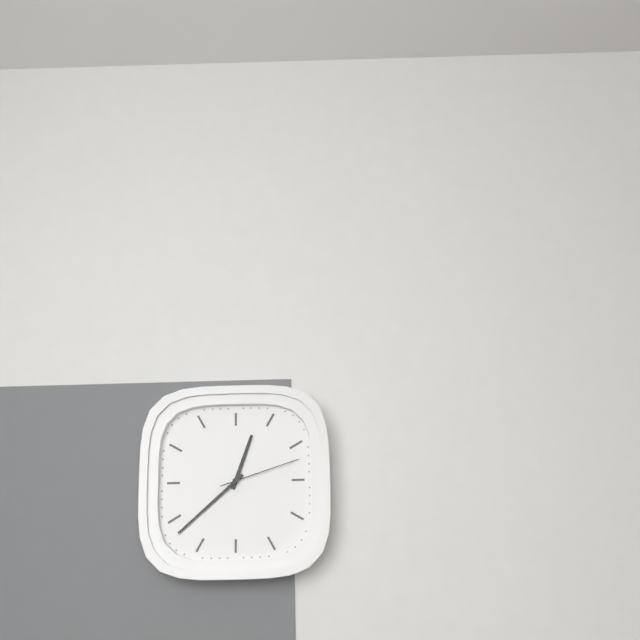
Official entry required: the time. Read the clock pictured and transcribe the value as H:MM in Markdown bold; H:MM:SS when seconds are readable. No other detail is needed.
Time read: **12:38:12**
